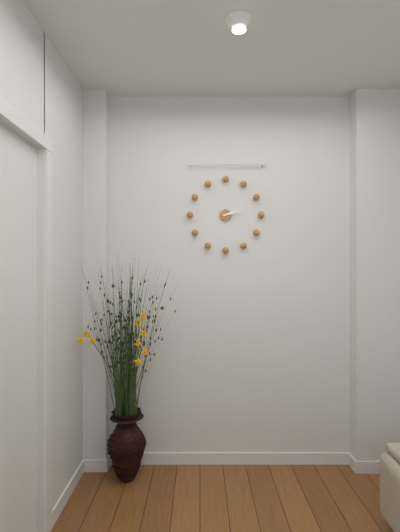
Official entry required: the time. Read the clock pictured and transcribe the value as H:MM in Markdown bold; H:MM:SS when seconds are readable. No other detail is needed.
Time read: **2:13**
